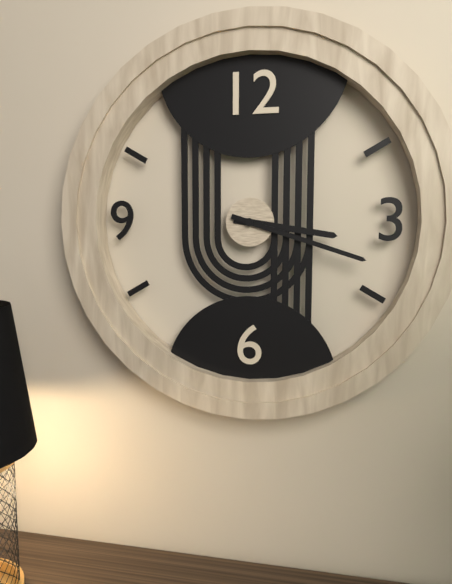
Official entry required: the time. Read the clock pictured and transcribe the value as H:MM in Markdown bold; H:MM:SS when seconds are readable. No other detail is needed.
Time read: **3:18**
